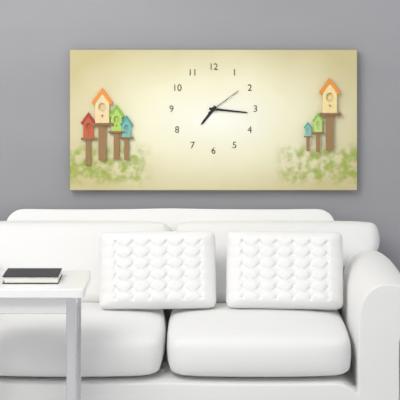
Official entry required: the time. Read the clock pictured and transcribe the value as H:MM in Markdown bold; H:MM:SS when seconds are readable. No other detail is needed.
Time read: **7:16**
